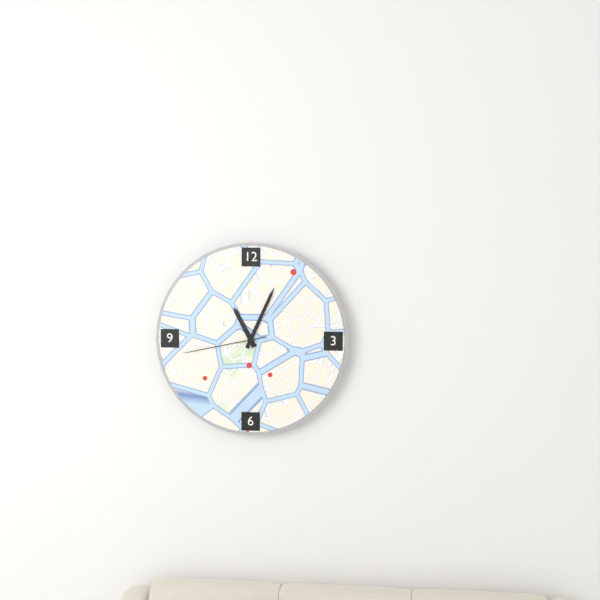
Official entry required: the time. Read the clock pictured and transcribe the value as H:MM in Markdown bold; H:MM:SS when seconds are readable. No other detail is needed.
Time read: **11:04:43**
